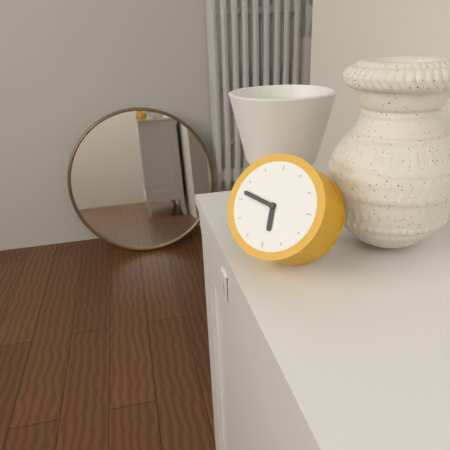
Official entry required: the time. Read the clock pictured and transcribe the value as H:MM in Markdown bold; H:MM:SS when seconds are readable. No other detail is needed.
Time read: **5:47**
